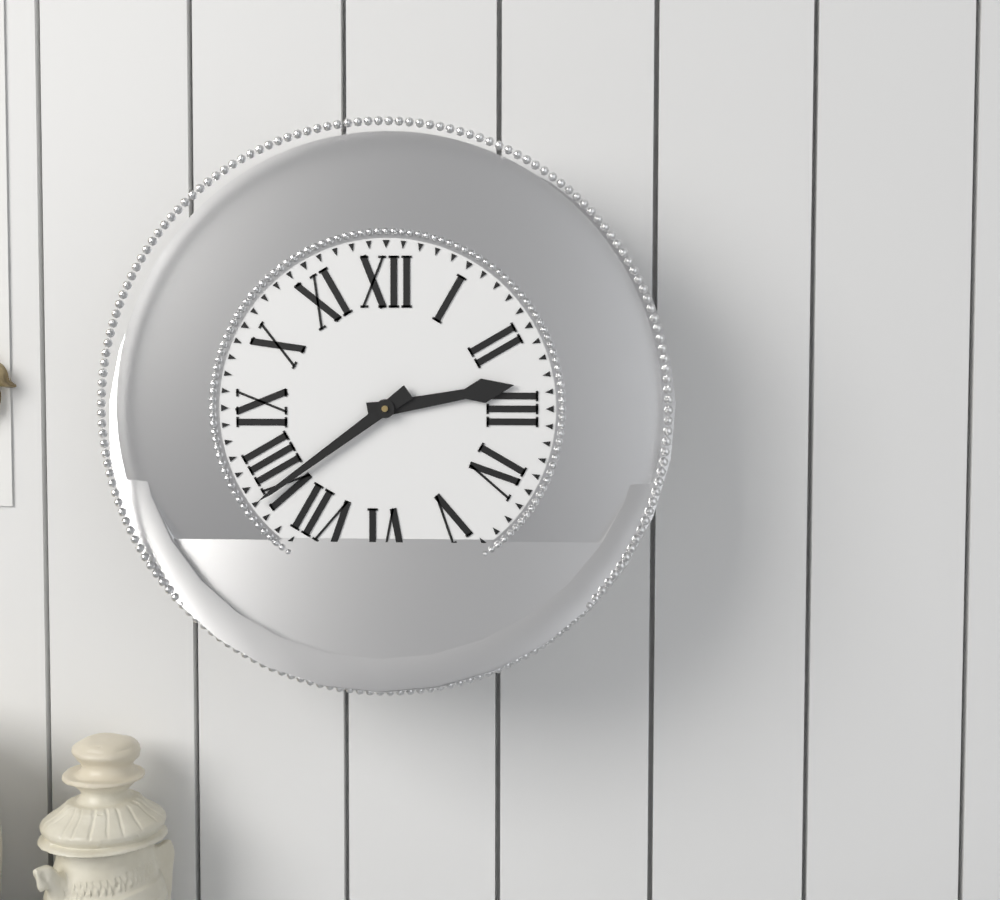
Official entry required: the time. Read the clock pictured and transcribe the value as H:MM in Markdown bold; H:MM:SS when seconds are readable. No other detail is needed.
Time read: **2:39**
